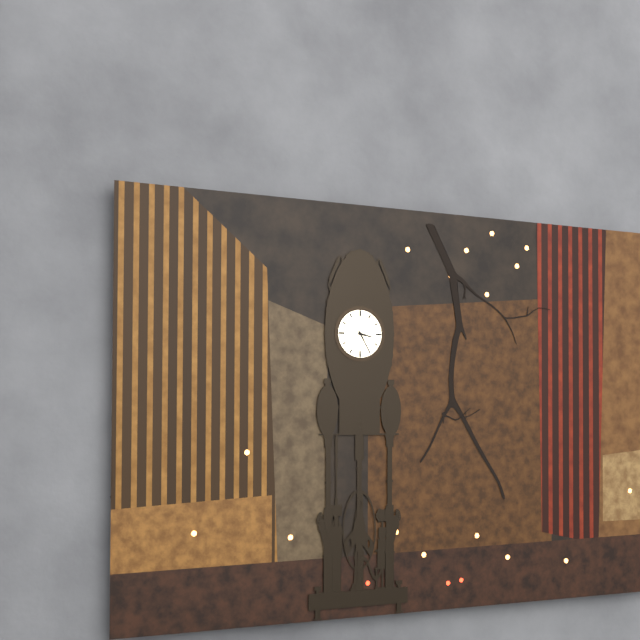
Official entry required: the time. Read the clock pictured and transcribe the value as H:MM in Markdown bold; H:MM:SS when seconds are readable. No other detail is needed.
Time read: **3:25**
